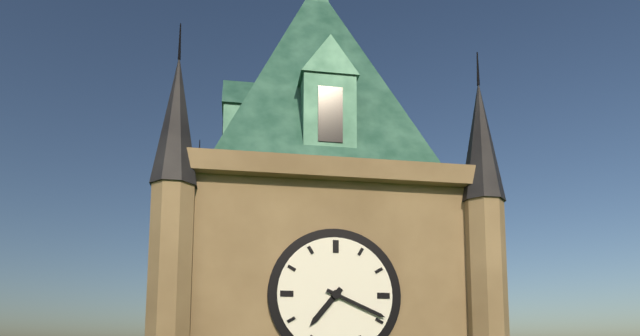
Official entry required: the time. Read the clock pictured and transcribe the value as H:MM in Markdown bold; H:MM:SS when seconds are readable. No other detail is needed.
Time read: **7:19**
